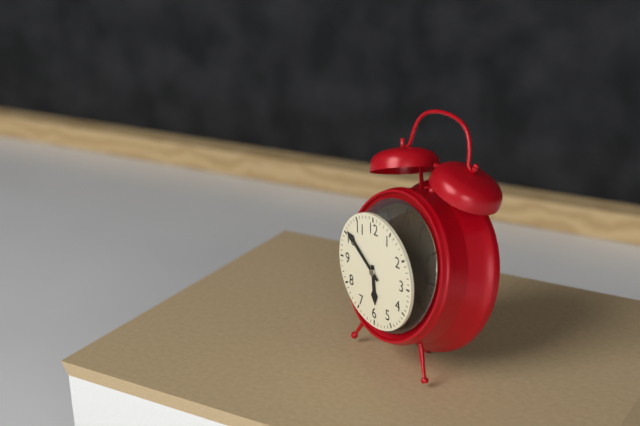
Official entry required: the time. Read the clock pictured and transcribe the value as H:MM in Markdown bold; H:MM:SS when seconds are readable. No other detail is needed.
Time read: **5:51**
